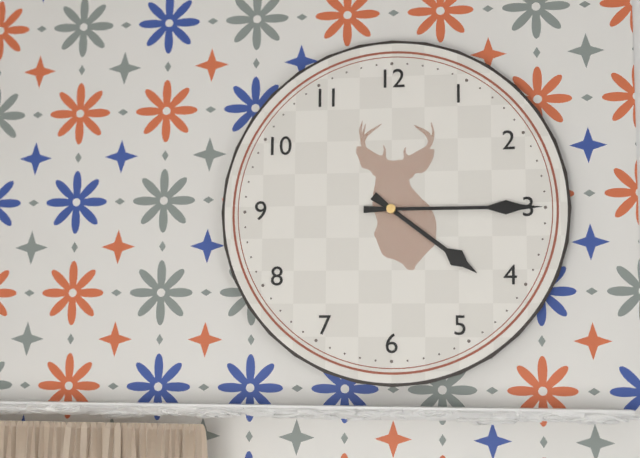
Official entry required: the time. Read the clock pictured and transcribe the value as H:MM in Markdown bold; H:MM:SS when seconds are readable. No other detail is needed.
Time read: **4:15**
